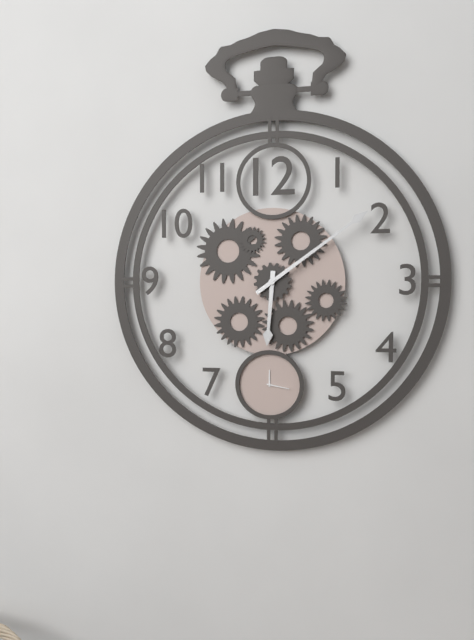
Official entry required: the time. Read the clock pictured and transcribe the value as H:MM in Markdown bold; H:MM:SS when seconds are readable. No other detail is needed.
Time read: **6:09**
